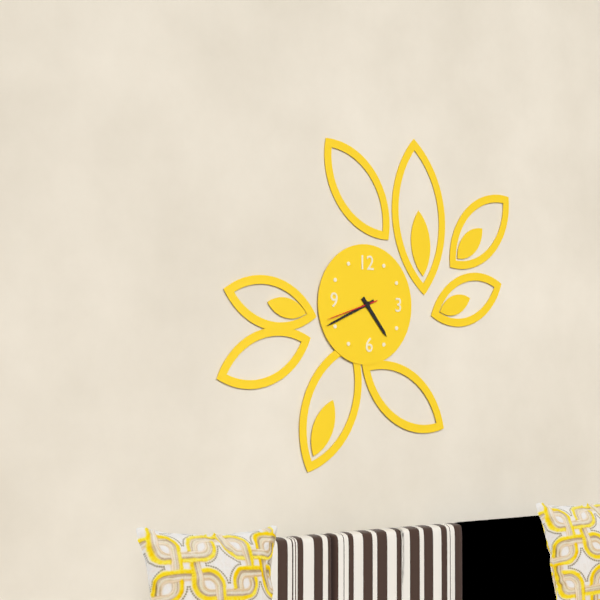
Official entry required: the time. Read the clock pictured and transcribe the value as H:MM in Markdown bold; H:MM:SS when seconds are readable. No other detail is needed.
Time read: **4:41:42**
